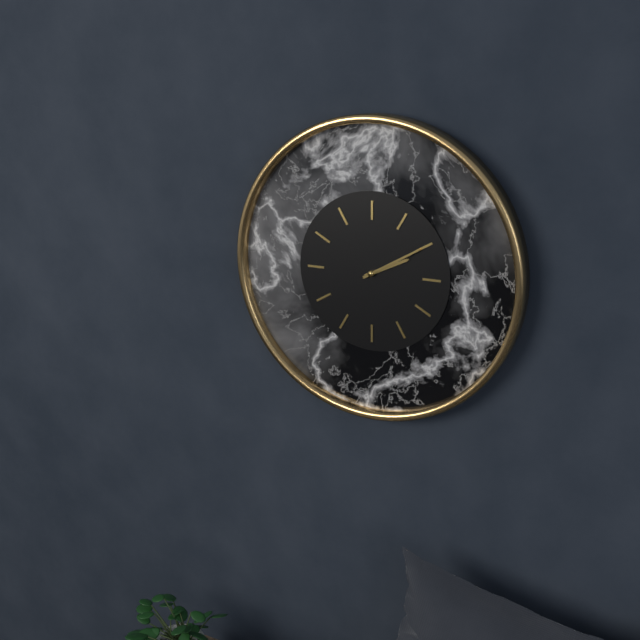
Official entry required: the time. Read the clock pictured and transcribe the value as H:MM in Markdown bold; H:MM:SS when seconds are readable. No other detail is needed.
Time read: **2:10**
